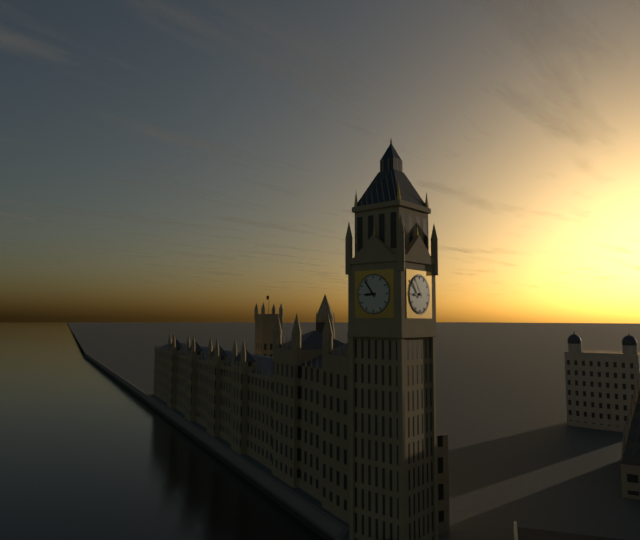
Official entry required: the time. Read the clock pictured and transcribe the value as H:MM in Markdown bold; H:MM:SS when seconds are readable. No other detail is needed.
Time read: **8:54**
